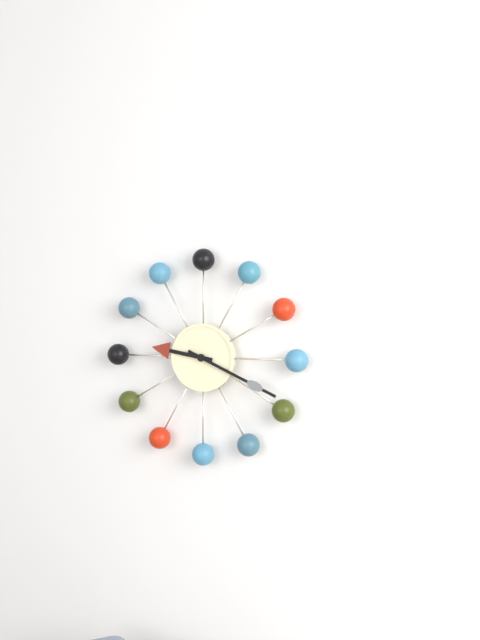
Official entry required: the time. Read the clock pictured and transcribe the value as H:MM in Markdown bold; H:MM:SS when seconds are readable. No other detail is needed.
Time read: **9:19**
